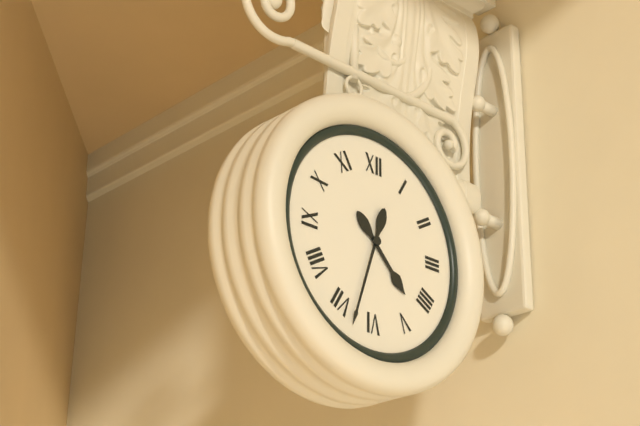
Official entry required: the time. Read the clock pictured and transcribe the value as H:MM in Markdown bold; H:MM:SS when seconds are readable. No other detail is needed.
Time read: **4:33**
